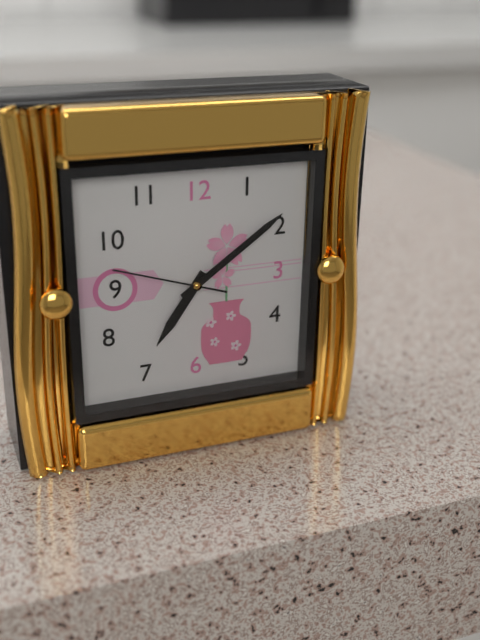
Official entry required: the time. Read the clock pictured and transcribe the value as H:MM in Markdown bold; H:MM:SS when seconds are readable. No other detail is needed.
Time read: **7:09:48**
